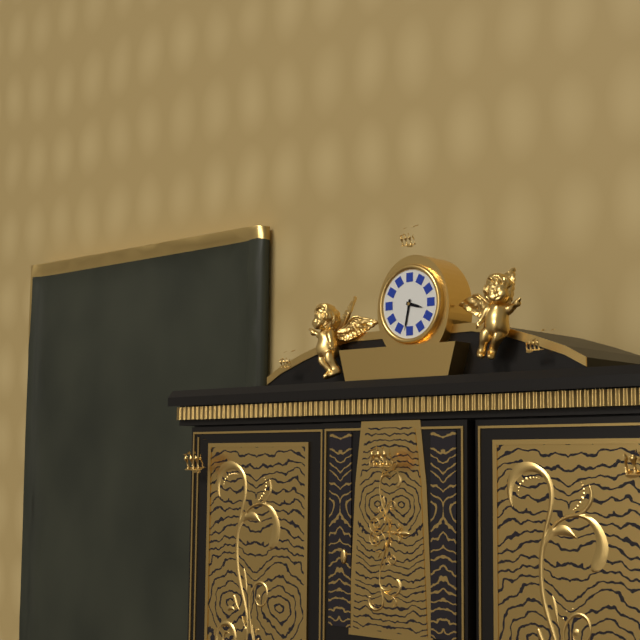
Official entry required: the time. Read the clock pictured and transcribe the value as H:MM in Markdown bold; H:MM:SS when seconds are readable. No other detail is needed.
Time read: **3:32**
